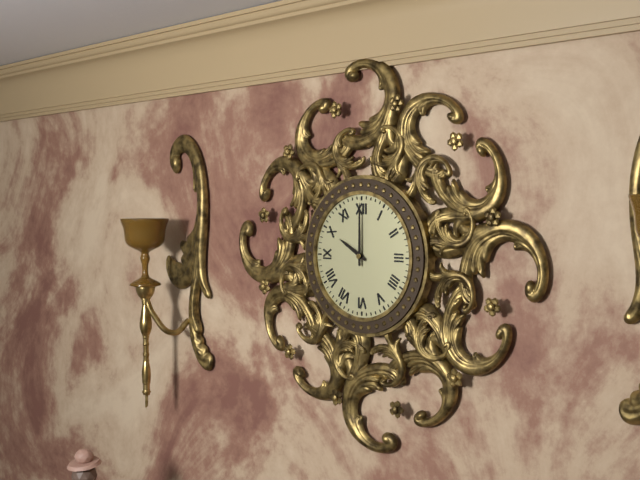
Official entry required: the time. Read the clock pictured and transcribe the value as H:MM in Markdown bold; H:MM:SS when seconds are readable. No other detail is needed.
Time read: **10:00**
